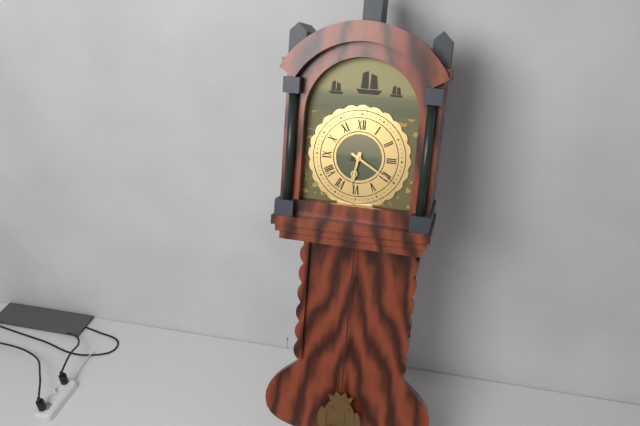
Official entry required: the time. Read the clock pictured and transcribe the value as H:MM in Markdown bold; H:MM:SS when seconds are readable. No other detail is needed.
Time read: **6:20**
